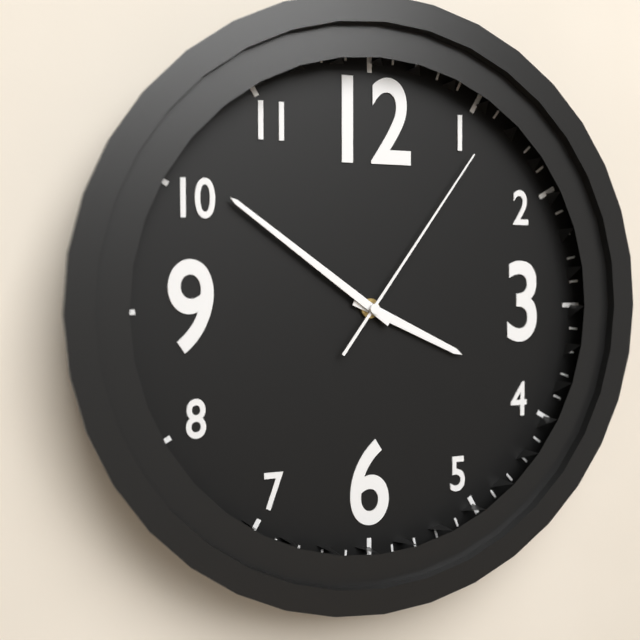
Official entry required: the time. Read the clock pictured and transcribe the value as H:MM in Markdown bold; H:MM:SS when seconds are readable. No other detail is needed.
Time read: **3:51:06**
